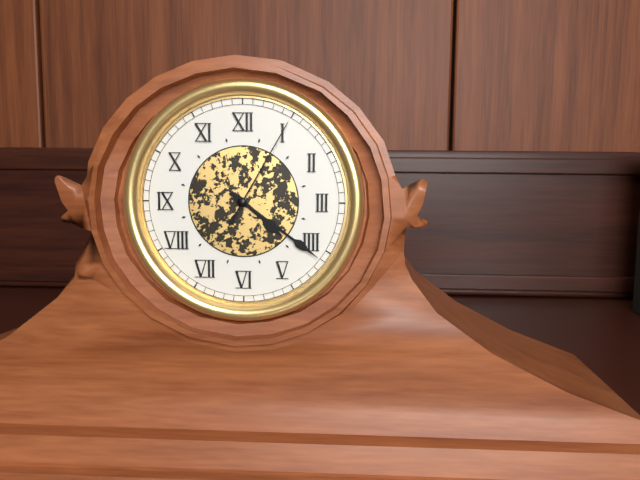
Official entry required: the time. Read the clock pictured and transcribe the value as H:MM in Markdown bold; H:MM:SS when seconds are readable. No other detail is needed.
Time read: **4:21:05**
